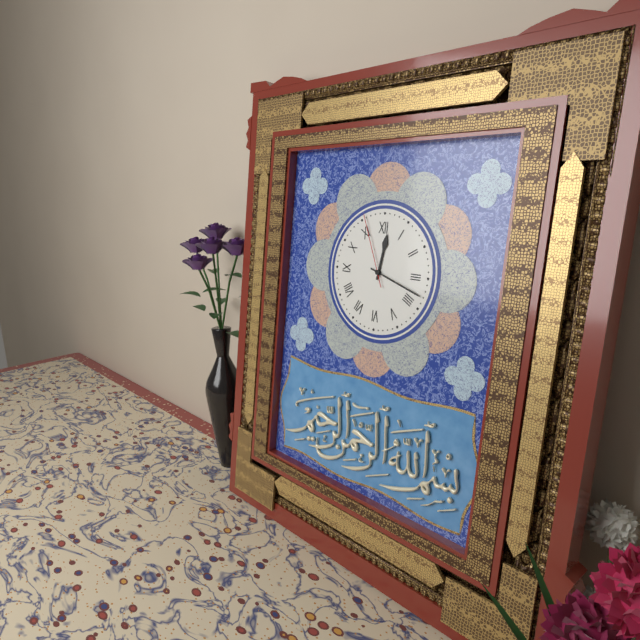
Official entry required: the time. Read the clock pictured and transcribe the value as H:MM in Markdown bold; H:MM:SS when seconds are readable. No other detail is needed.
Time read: **12:18:56**
